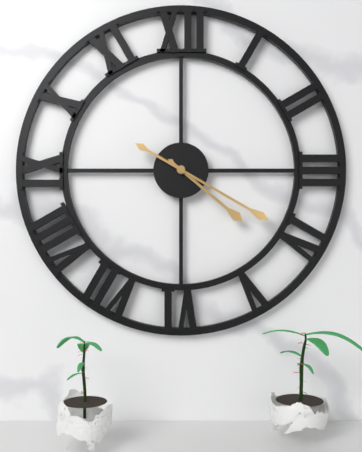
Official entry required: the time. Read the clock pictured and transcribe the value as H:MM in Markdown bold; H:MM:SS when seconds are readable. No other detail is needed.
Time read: **4:20**
